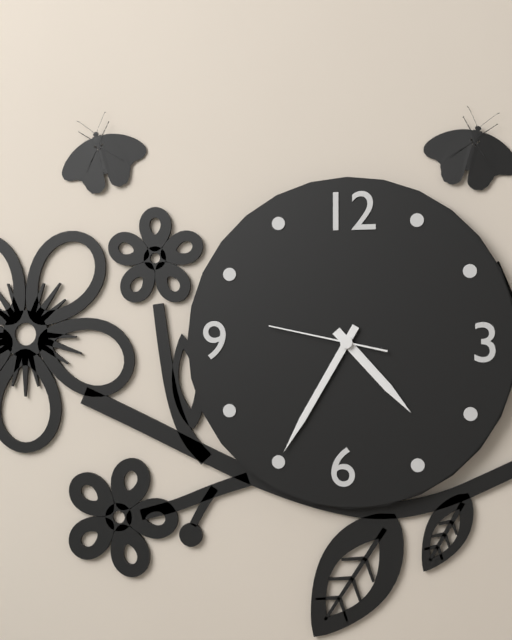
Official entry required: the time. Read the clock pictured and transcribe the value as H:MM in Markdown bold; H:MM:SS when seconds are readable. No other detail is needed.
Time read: **4:35:47**
